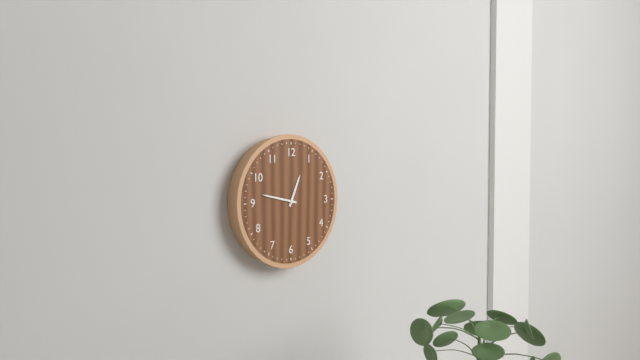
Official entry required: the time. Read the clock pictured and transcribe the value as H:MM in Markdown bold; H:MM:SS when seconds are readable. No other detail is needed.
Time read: **12:47**
